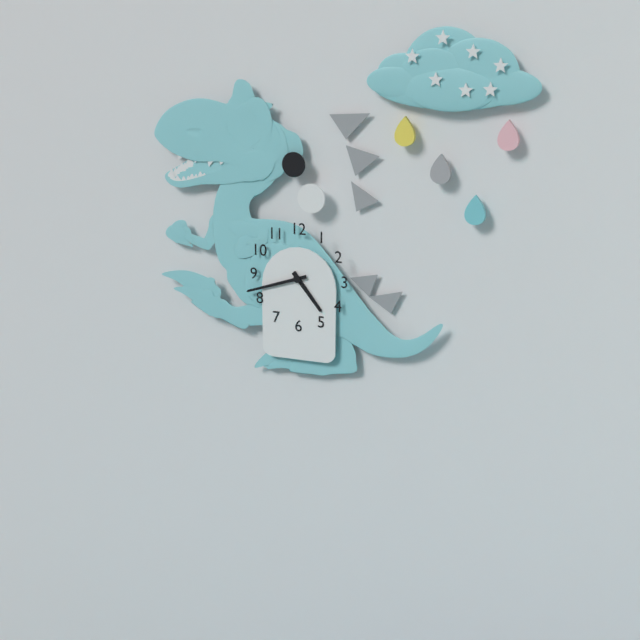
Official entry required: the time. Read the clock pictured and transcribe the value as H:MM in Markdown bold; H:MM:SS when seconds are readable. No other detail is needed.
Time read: **4:42**
